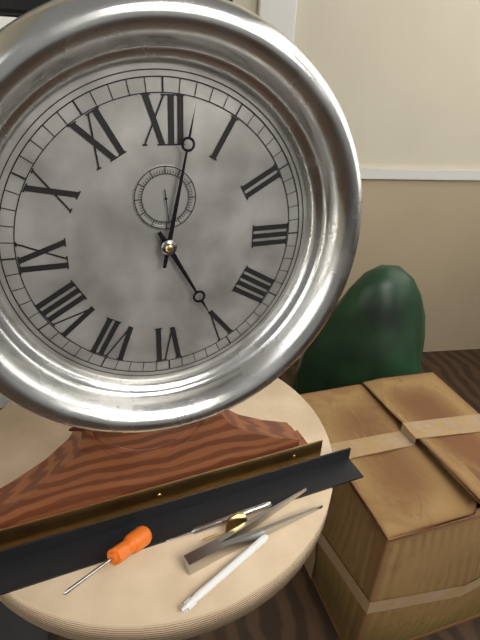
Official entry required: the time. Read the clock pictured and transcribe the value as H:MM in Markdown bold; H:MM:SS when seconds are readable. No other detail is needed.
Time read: **5:02**
